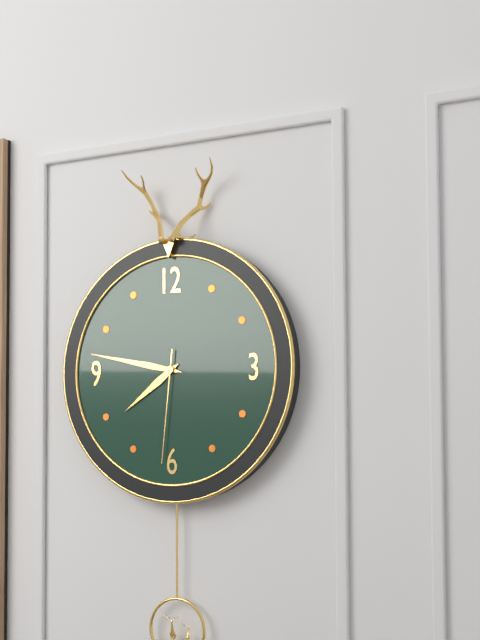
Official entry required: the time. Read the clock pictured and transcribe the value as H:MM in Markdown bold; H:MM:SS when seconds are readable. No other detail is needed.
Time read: **7:47:31**
